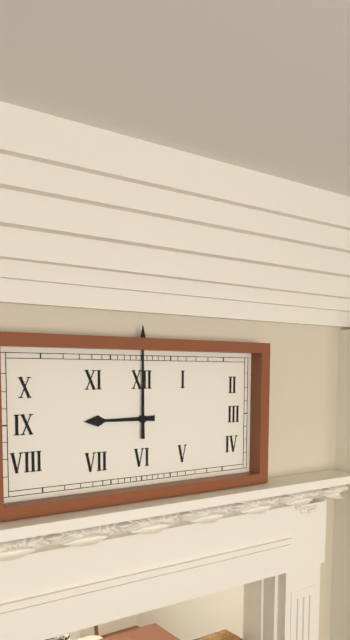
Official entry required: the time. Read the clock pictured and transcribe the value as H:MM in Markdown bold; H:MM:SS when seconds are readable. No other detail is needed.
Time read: **9:00**
